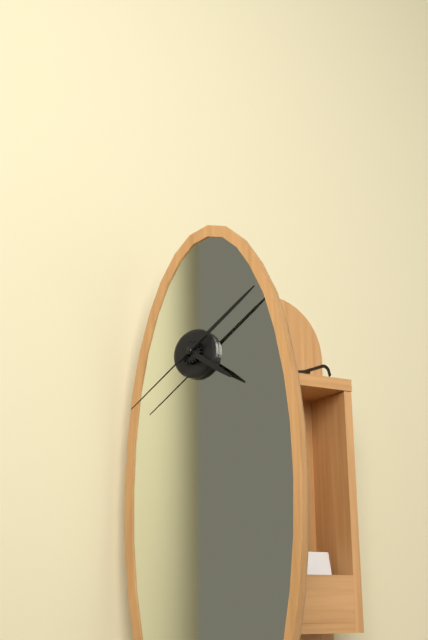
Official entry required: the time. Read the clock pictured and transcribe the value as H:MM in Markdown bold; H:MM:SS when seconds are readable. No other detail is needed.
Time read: **4:09:39**
